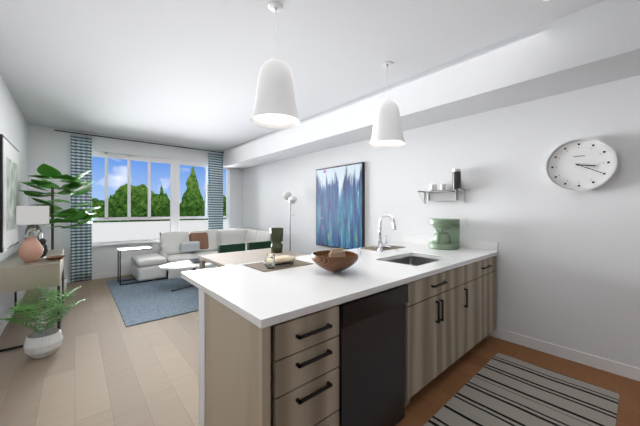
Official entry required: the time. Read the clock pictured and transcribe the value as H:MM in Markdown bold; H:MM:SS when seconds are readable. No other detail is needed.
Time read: **3:20**
